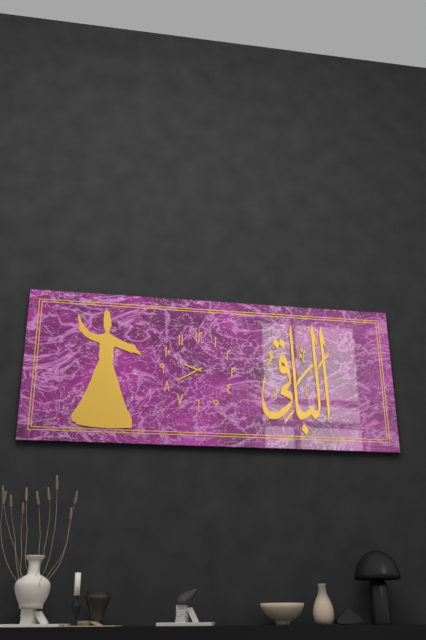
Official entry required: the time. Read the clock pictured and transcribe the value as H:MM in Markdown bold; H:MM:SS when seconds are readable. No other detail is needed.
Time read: **9:40**
